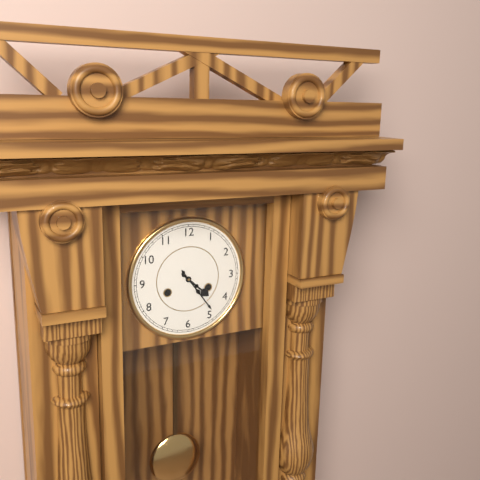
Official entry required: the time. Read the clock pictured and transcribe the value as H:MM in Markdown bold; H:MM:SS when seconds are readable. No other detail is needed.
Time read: **4:24**
